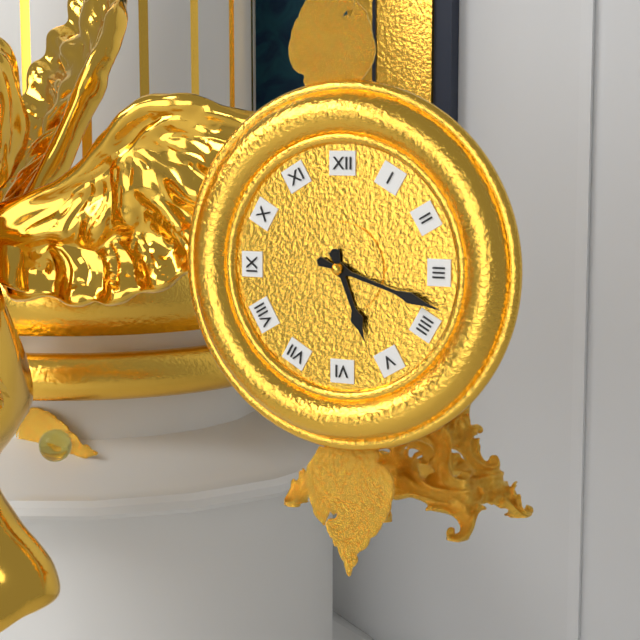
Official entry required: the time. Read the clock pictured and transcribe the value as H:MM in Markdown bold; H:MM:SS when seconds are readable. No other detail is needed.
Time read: **5:18**
